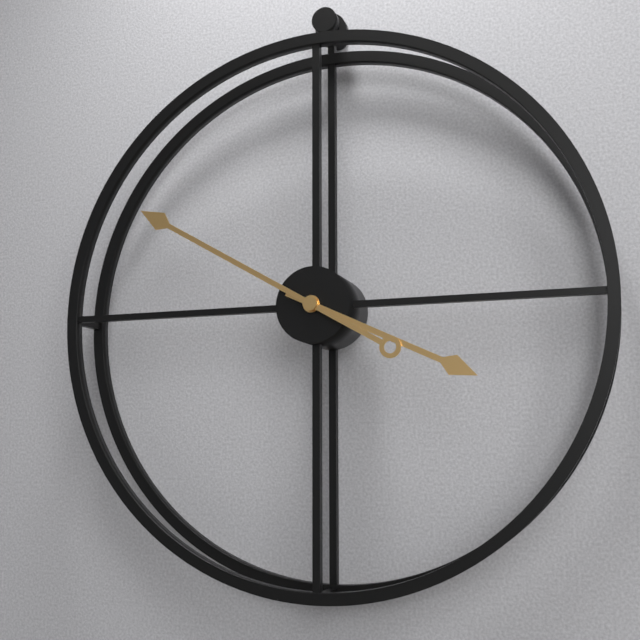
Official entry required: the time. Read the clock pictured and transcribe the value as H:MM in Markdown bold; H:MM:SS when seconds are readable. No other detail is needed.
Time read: **3:50**
